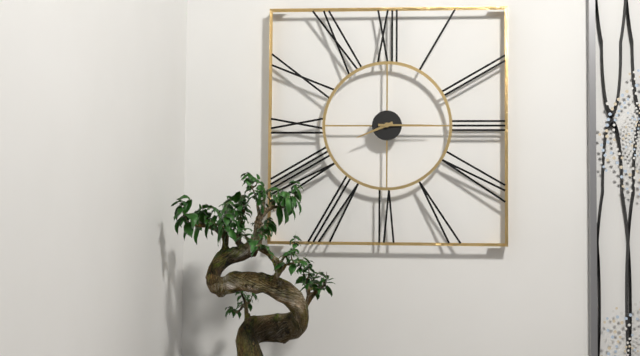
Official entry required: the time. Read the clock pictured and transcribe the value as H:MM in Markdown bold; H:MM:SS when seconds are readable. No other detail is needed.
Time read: **8:15**
